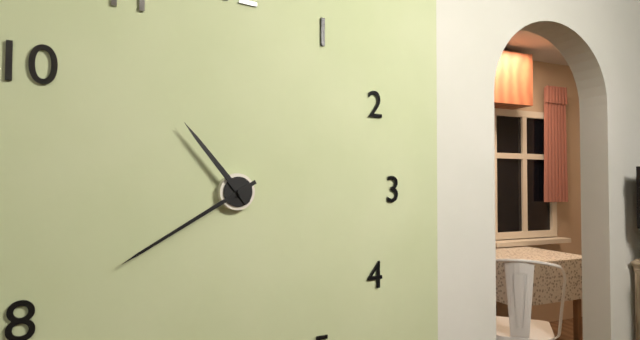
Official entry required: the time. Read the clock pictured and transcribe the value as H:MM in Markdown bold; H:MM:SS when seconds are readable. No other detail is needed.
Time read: **10:40**
